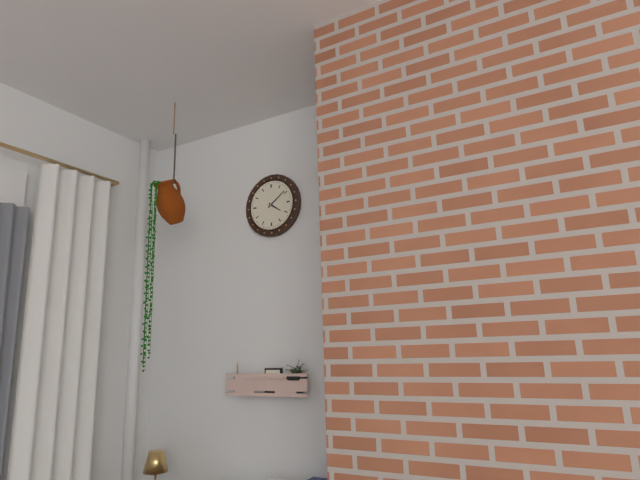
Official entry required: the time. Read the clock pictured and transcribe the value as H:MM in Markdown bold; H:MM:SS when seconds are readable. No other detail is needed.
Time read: **4:09**
